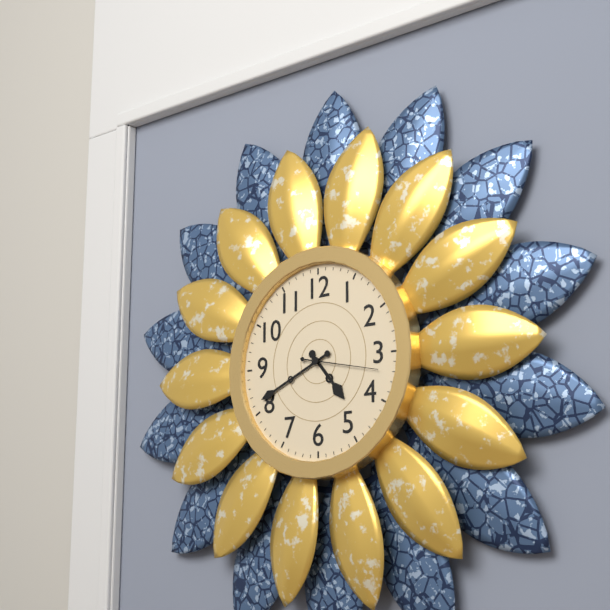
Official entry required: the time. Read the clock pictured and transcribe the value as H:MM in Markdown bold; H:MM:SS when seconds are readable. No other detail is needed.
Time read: **4:41:17**
